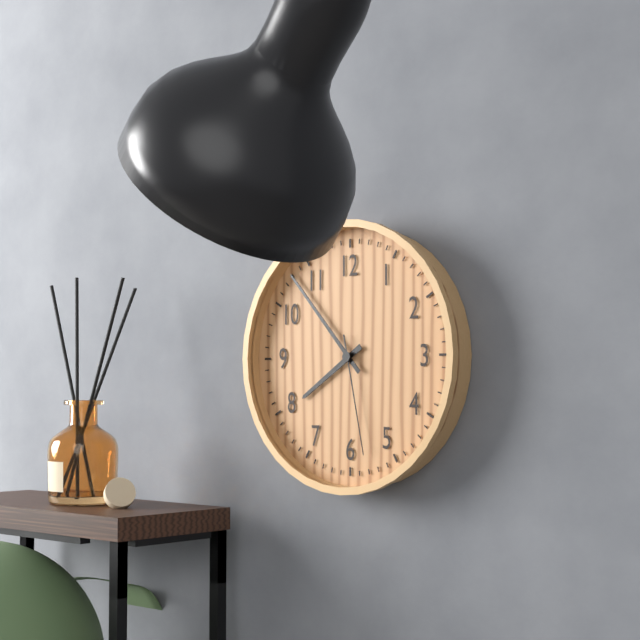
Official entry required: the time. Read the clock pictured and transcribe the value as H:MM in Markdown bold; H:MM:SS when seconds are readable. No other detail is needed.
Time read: **7:53:28**
